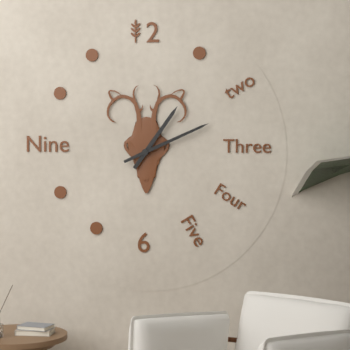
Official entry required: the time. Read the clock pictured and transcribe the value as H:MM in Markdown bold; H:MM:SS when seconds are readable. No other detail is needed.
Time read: **1:11**
